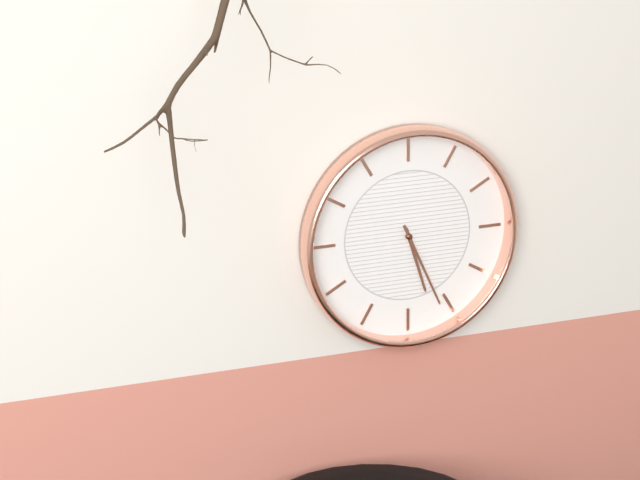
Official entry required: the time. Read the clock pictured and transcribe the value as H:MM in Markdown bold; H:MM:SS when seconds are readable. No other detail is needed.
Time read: **5:26**
